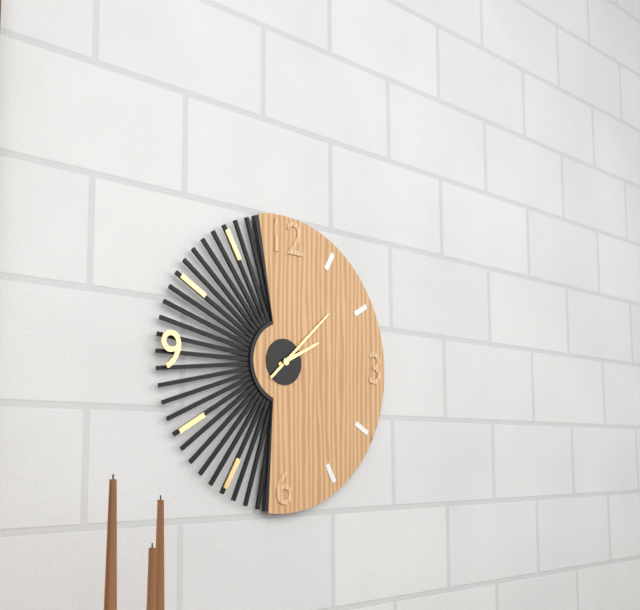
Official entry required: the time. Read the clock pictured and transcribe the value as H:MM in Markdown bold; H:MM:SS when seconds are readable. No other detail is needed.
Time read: **2:08**
